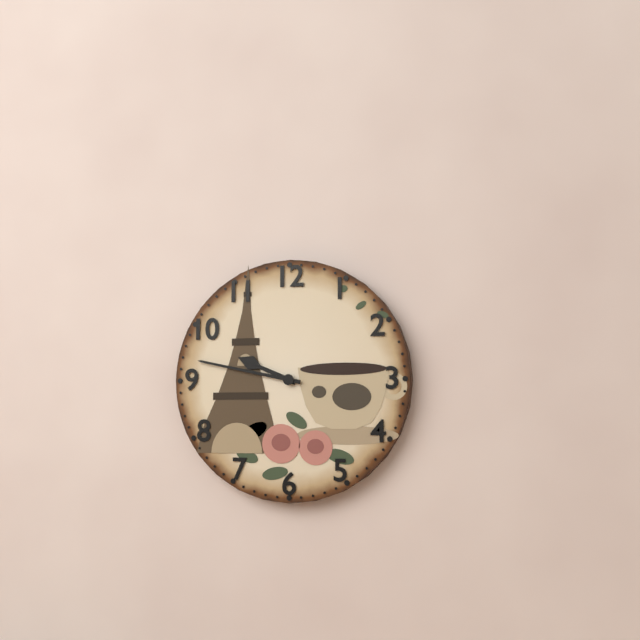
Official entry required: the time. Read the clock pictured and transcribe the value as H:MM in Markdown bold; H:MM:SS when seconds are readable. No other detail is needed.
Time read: **9:47**
